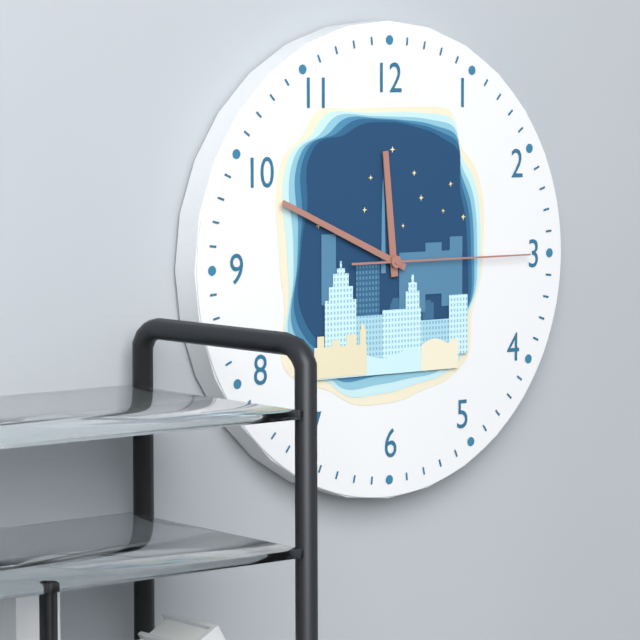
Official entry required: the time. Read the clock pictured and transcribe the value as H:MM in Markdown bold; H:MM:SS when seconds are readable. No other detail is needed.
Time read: **11:49:15**
